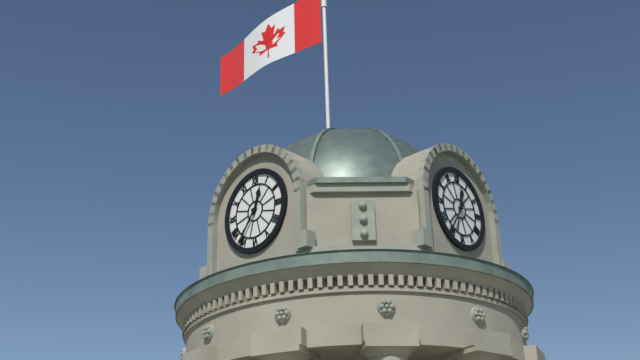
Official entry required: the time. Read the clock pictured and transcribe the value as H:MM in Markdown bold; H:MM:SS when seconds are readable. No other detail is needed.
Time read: **12:36**
